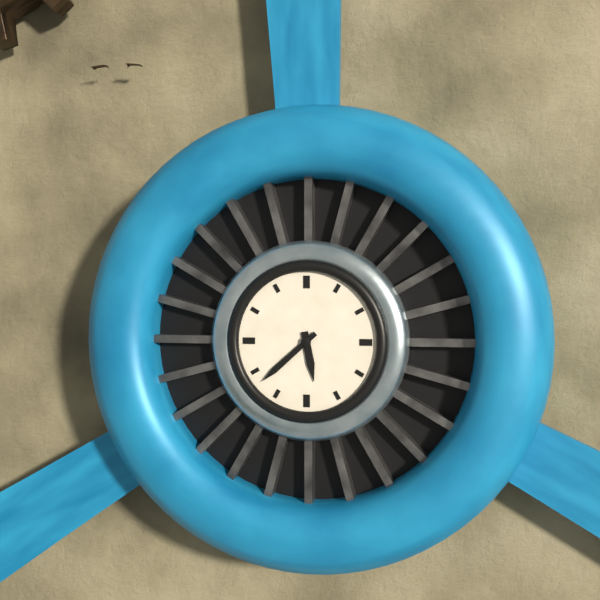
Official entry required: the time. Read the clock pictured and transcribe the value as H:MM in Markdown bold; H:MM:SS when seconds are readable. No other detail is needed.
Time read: **5:38**
